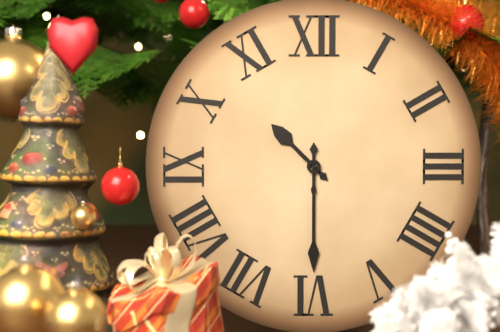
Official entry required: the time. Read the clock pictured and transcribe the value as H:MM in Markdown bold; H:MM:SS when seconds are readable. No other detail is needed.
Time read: **10:30**
